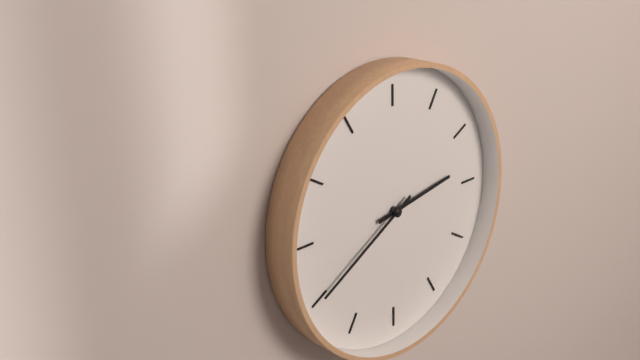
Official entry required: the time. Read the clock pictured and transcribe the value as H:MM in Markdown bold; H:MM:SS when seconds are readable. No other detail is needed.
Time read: **2:40**
